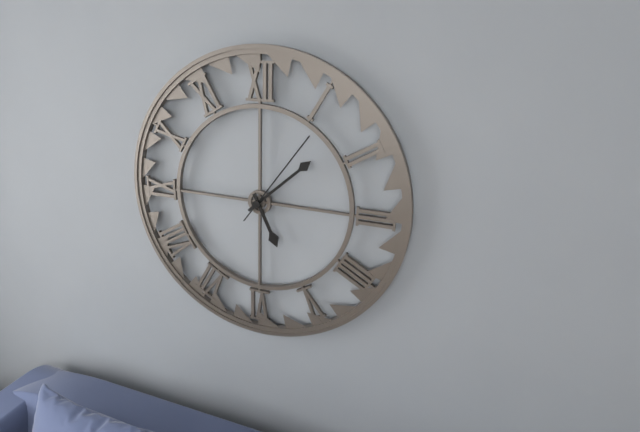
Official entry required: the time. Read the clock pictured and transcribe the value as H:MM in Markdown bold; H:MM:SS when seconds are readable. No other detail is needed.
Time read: **5:08:06**
